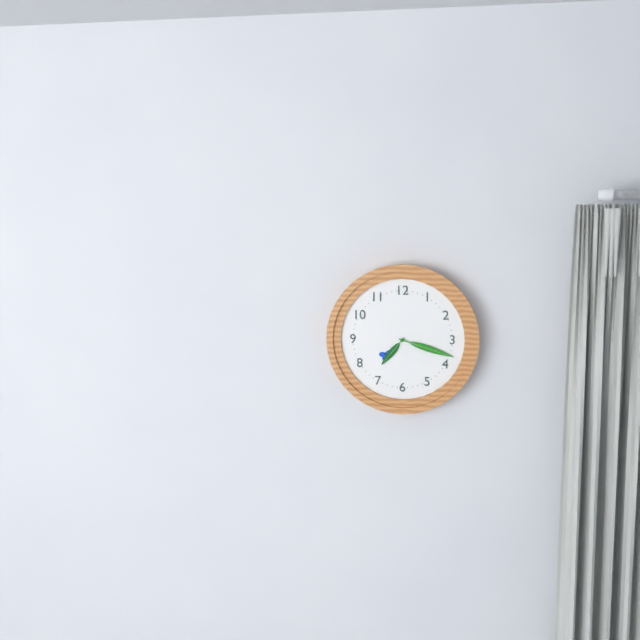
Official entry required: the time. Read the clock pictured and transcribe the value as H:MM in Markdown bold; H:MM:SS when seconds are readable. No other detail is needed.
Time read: **7:18**
